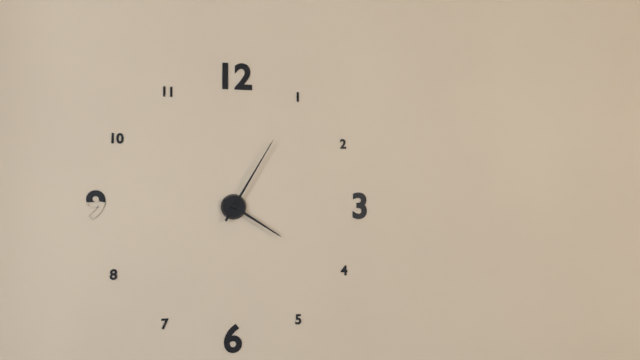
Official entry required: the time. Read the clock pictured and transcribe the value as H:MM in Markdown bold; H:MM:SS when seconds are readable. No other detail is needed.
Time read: **4:05**
